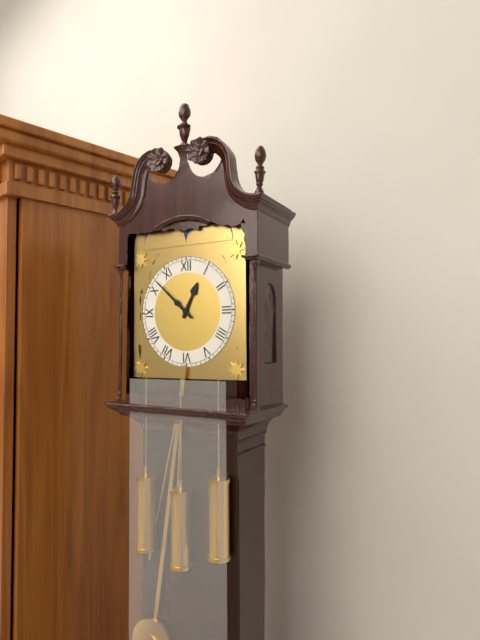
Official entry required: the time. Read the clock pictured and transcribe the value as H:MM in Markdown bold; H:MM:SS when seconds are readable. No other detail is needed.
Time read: **12:52**
